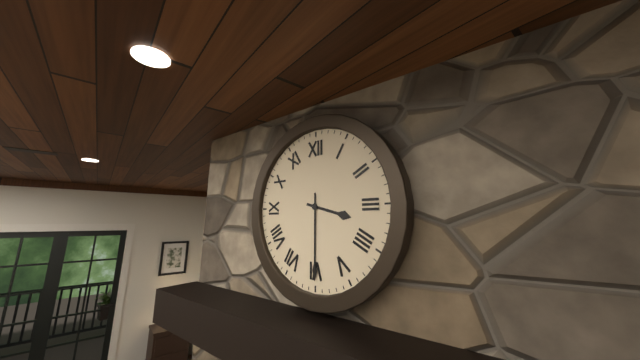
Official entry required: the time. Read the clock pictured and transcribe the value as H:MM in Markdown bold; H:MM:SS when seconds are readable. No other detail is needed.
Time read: **3:30**
